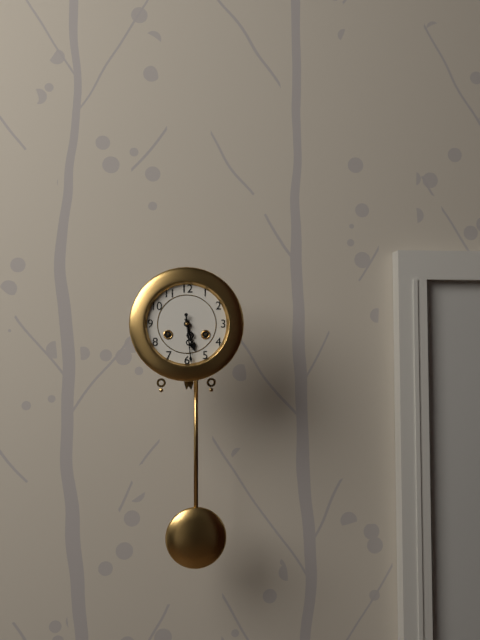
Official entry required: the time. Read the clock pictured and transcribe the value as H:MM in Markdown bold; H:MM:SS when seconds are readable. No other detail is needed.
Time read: **5:29**
